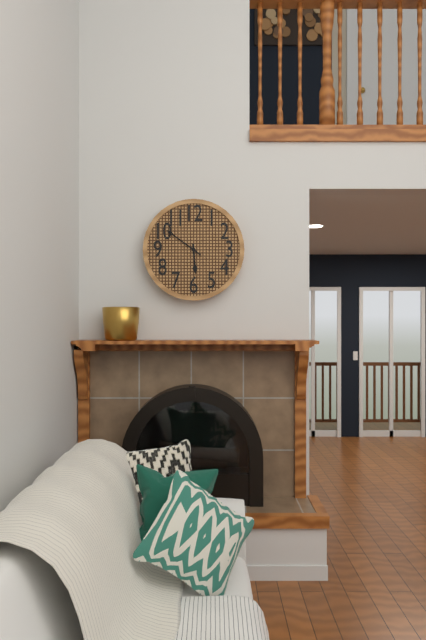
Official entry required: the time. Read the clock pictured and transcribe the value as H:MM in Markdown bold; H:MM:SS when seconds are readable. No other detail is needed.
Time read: **5:51**
